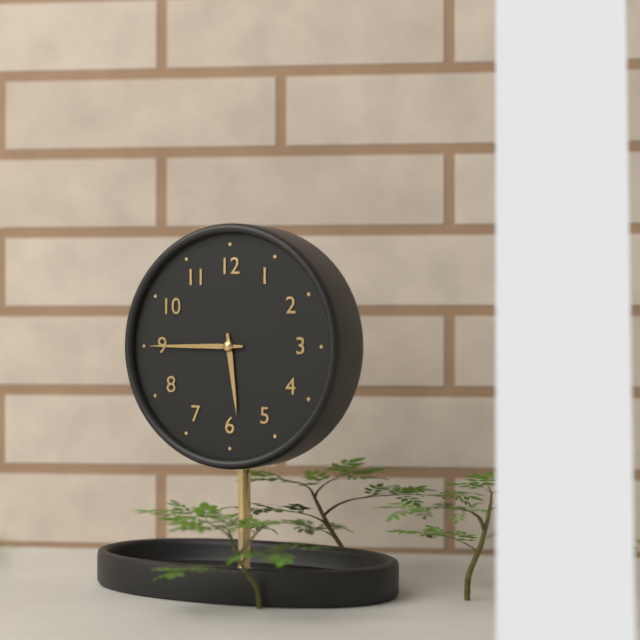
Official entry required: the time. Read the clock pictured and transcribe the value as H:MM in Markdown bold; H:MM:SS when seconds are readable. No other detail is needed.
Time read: **5:45**
